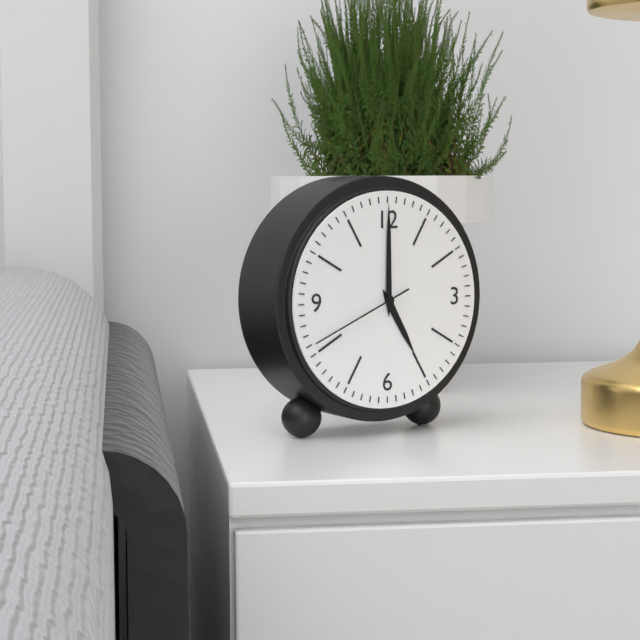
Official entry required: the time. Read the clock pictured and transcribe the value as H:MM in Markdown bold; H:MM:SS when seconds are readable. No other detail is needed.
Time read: **5:00:41**
